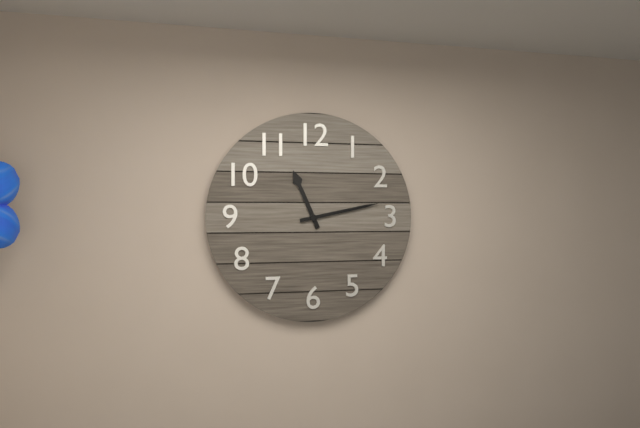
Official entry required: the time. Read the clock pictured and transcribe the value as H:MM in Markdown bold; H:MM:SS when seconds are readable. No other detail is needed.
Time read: **11:13**
